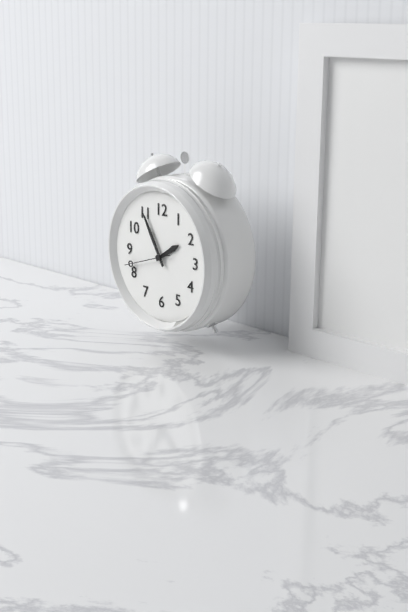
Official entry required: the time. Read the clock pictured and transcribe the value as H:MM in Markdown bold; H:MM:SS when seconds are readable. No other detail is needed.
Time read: **1:55**
